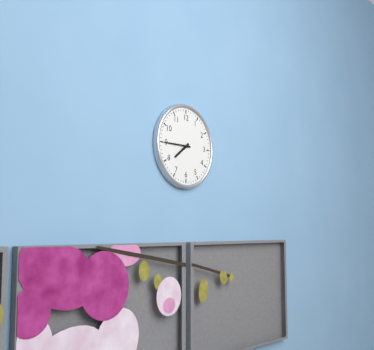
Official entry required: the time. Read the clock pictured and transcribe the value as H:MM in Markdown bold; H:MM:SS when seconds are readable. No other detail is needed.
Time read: **7:45**
